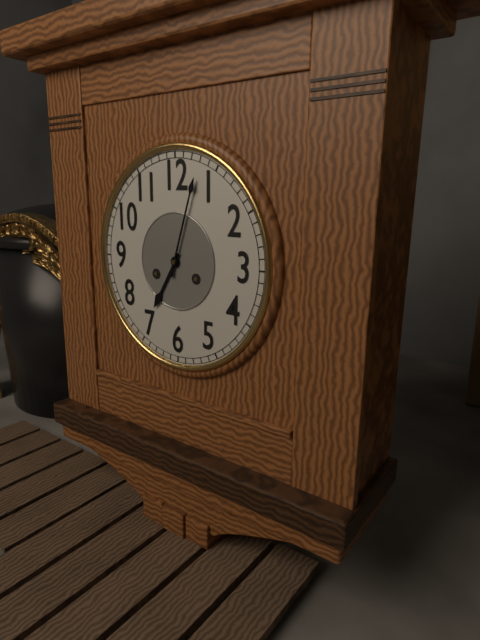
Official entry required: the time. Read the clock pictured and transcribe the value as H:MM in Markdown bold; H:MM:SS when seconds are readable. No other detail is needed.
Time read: **7:03**
